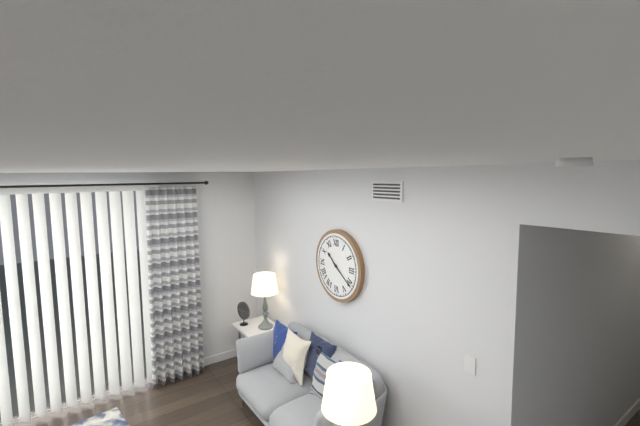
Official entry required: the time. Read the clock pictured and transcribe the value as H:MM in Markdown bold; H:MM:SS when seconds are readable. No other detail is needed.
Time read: **10:21**
